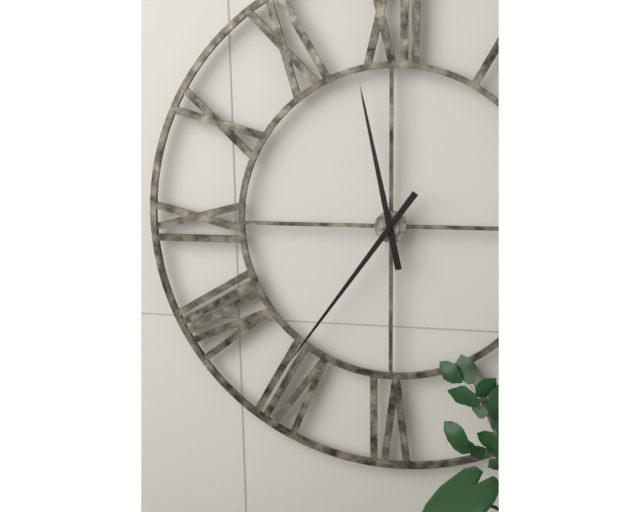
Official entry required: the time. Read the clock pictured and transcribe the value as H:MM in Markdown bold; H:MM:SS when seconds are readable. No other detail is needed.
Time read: **11:36**
